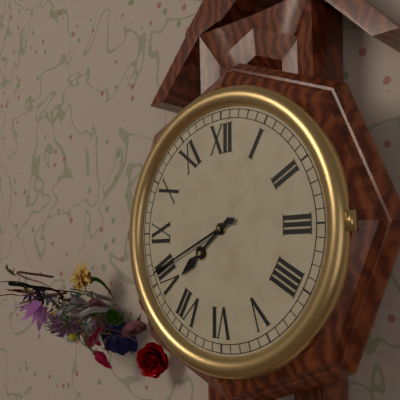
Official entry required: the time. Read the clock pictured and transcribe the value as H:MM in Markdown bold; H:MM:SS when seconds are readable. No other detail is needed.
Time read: **7:41**
